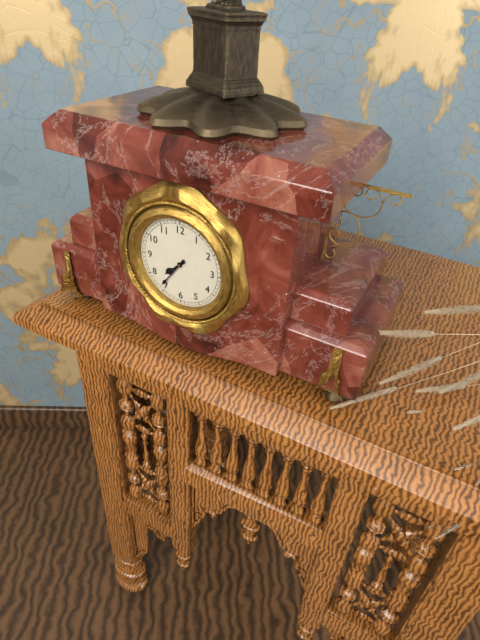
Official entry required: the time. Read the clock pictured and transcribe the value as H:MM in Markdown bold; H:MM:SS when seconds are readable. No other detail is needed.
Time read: **7:36**
